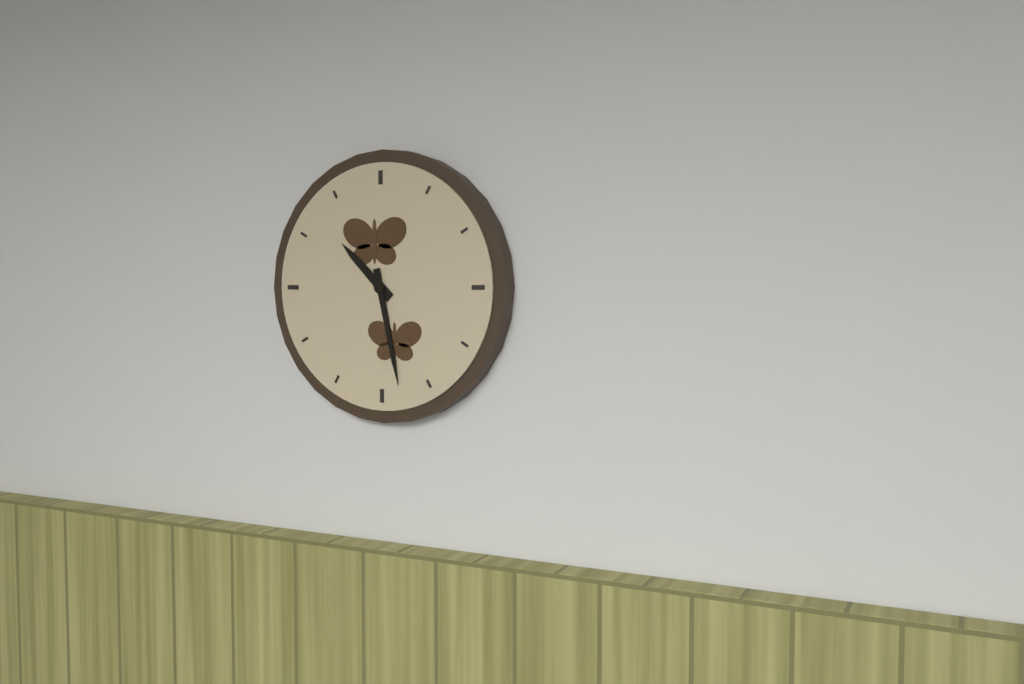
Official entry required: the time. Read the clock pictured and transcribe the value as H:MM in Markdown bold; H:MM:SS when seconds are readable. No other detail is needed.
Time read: **10:28**
